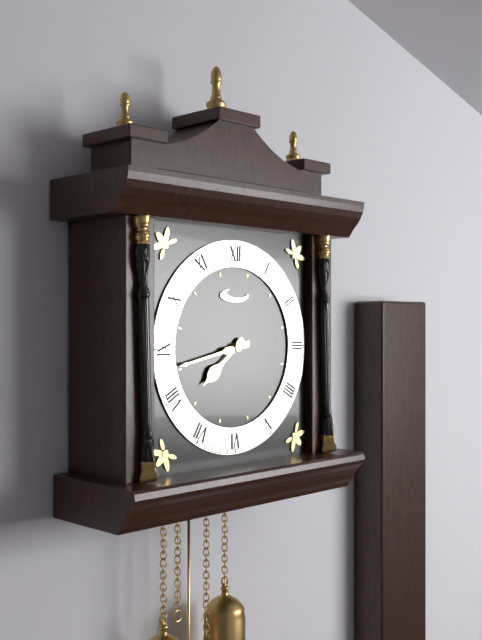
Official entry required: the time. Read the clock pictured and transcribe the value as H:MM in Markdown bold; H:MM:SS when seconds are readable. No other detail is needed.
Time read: **7:43**
